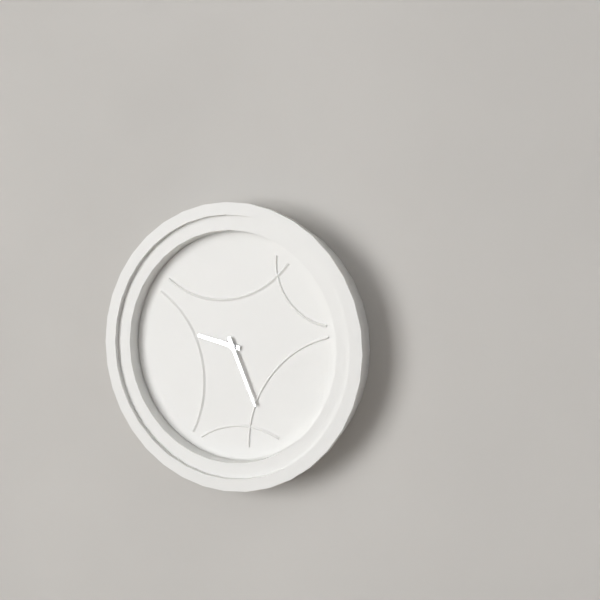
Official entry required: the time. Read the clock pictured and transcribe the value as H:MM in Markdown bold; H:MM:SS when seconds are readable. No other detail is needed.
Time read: **9:26**
